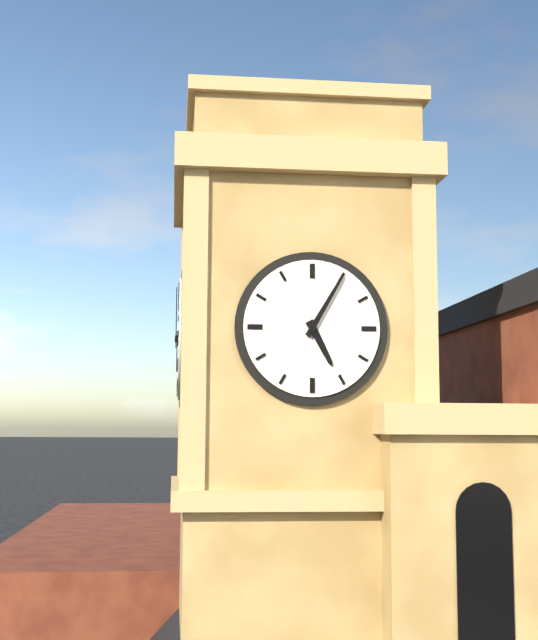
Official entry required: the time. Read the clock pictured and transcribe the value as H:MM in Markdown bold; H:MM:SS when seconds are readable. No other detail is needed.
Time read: **5:05**
